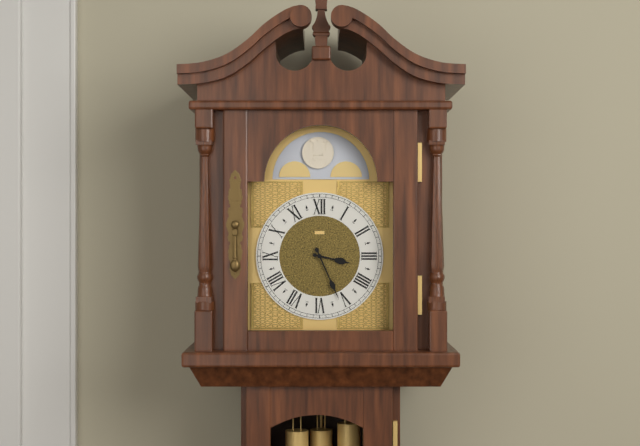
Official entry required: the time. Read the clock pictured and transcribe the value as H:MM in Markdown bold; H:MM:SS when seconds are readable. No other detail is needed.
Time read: **3:26**
